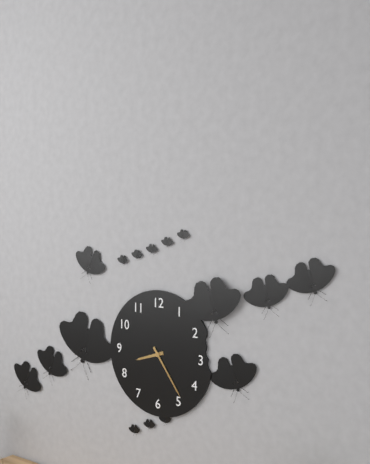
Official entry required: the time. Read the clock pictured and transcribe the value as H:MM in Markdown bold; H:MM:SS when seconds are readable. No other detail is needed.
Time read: **8:24**
